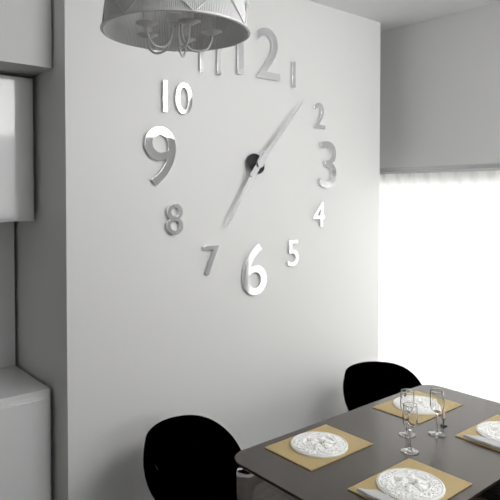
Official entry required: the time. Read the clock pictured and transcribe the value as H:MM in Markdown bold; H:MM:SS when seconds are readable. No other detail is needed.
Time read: **7:07**
